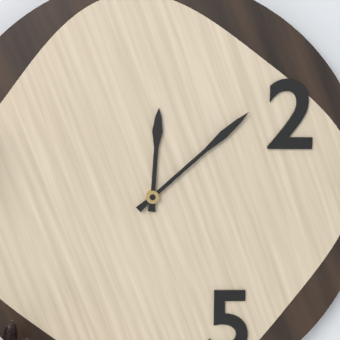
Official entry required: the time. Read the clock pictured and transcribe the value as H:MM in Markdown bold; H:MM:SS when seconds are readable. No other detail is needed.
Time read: **12:08**
